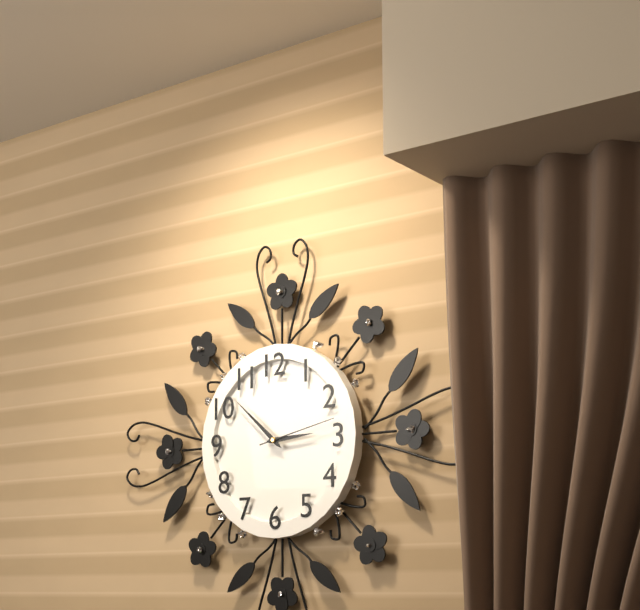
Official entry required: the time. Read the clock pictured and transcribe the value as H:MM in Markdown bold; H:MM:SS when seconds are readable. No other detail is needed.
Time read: **2:52:13**
